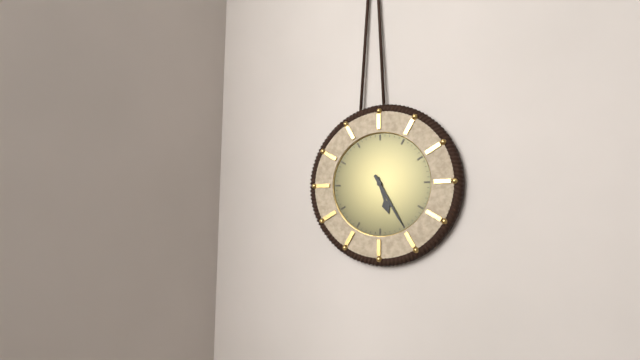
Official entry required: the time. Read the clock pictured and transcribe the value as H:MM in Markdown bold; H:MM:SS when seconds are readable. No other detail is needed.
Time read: **5:25**
